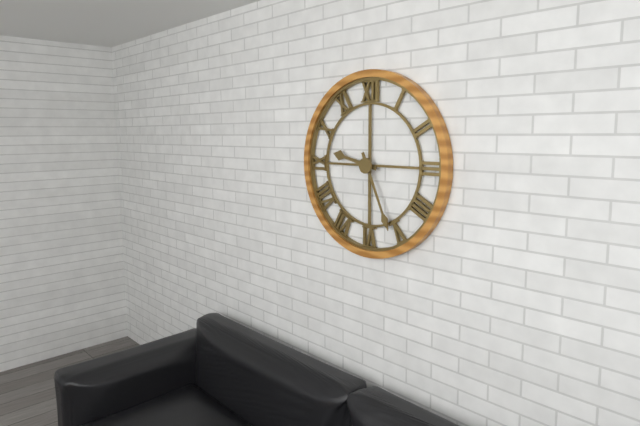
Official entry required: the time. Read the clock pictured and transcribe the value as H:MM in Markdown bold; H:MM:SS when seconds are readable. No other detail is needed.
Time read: **9:26**
